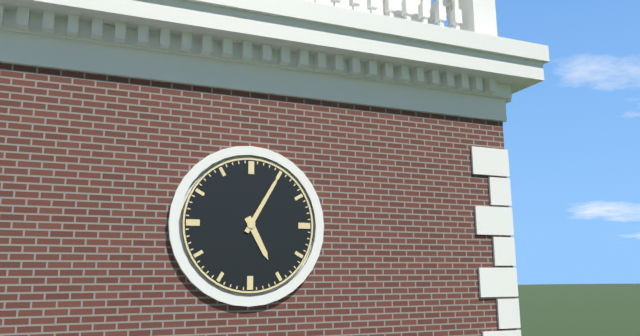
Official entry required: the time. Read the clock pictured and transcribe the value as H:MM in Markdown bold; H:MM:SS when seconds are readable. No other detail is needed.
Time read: **5:05**
